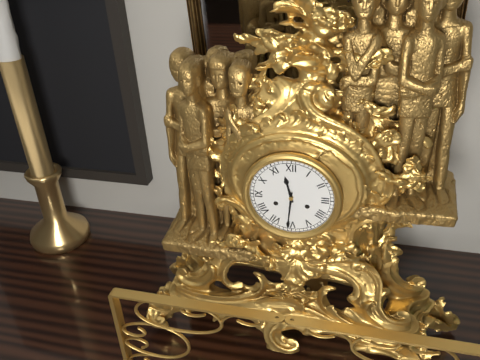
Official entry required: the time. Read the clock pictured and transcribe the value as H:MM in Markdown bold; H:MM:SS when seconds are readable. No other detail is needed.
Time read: **11:31**
